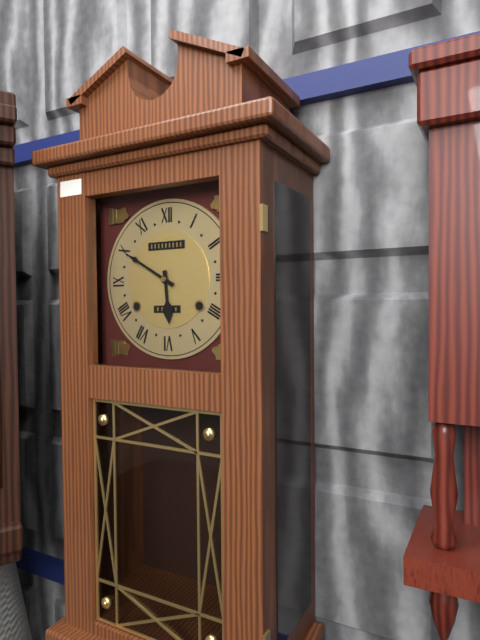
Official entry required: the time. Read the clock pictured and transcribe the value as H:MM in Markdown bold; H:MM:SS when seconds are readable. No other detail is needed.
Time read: **5:50**
